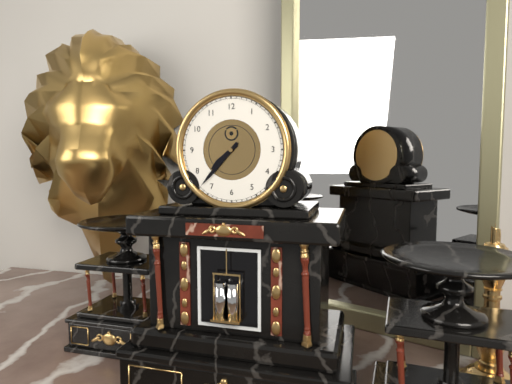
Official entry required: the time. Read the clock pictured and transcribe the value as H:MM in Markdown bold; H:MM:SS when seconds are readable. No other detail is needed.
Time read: **7:37**
